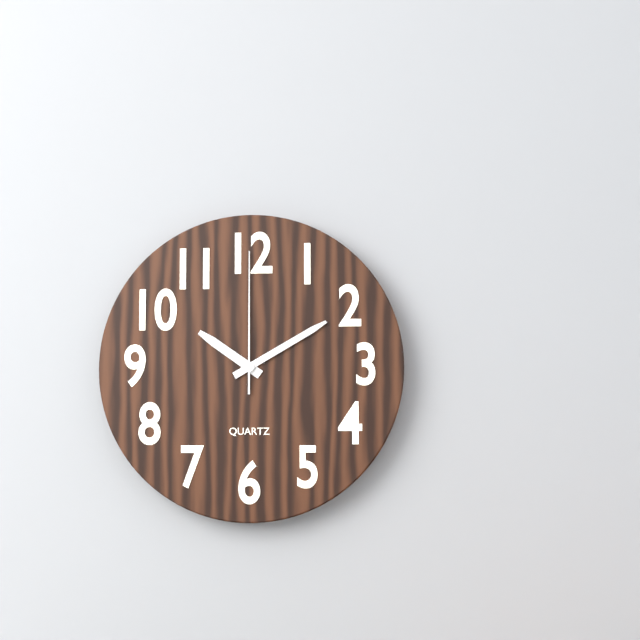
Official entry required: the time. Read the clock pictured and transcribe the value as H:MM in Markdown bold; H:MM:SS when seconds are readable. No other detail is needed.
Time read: **10:10:00**
